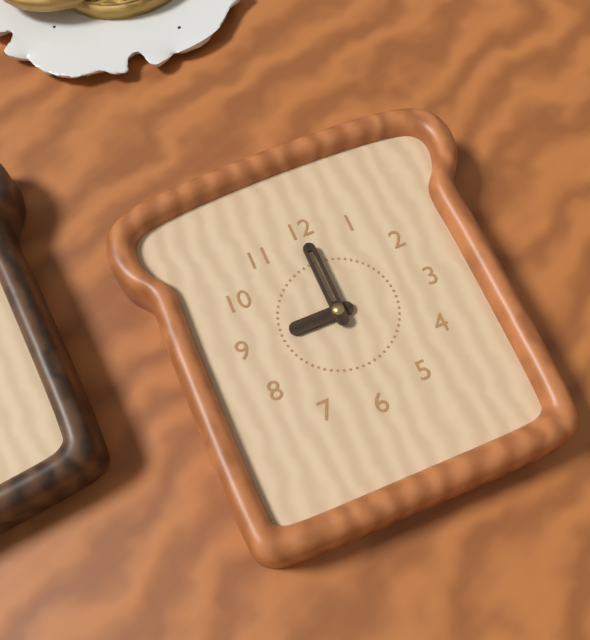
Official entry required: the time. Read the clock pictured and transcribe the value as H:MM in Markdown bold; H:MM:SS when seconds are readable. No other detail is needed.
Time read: **9:00**
